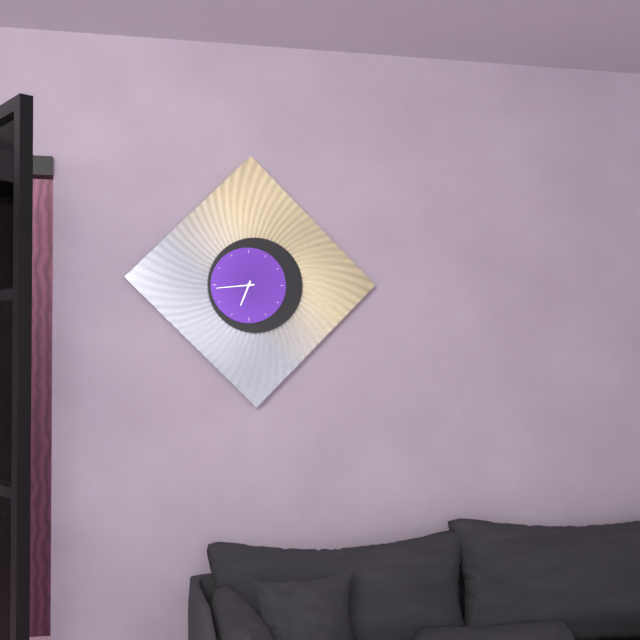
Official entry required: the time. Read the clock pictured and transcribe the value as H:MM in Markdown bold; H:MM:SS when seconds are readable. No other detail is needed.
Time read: **6:44**
